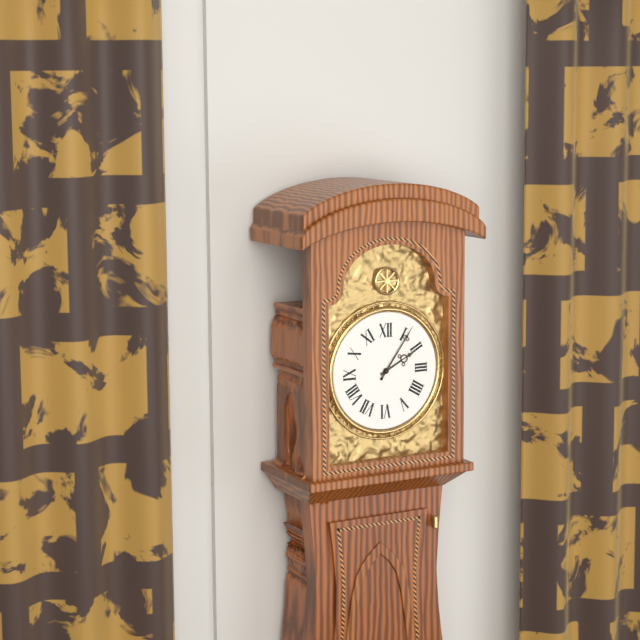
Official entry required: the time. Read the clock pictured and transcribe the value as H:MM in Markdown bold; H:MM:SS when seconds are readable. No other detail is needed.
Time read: **2:06**
